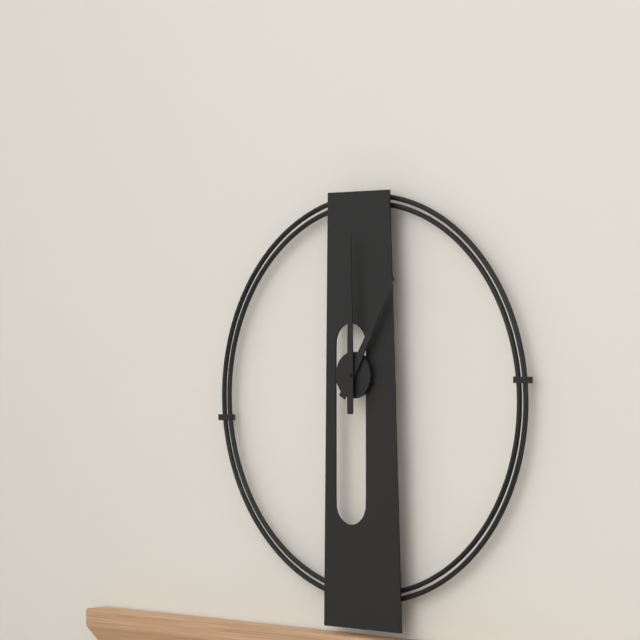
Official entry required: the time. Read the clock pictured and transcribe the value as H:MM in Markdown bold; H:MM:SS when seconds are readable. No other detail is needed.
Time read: **1:00**
